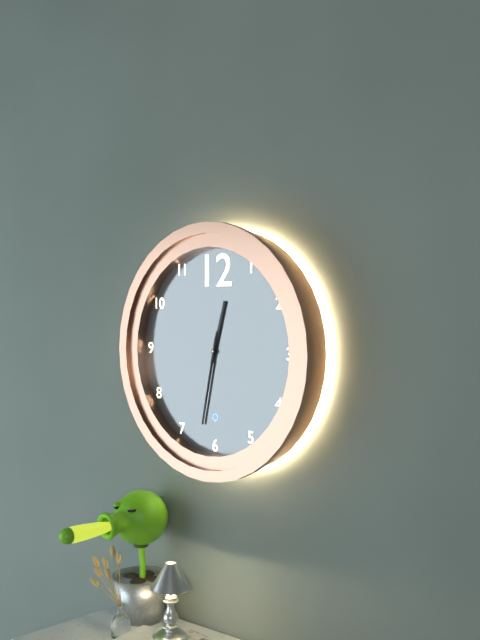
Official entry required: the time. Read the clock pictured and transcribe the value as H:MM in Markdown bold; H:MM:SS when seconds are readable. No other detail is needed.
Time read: **12:32:32**
